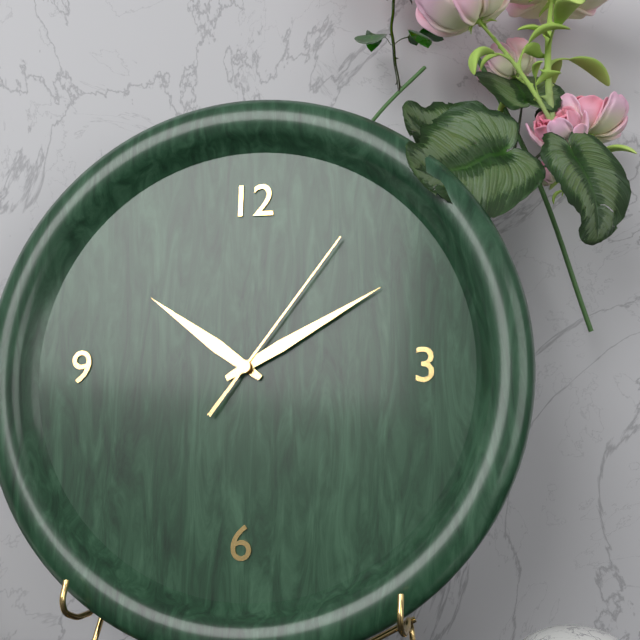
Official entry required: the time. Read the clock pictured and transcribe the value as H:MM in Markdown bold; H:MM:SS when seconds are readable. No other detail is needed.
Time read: **10:10:06**
